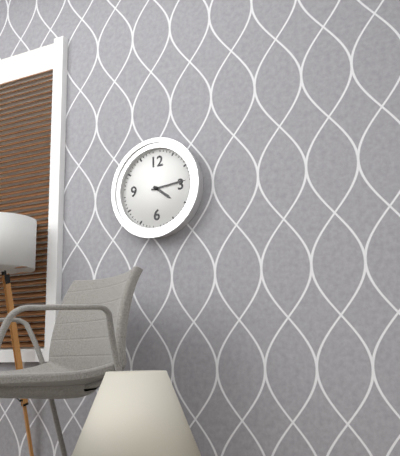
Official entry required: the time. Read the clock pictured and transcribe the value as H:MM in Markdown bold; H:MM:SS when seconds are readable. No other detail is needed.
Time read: **4:14**
